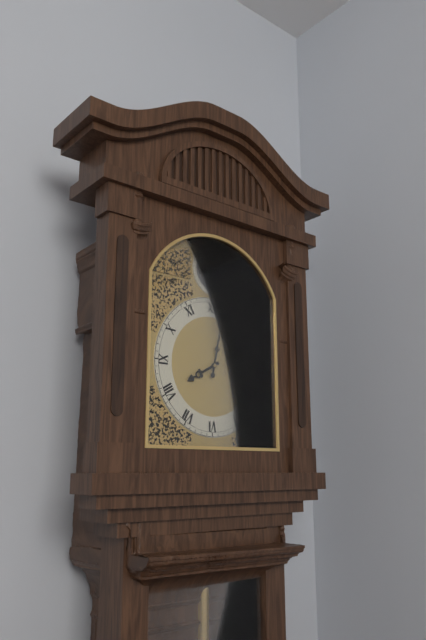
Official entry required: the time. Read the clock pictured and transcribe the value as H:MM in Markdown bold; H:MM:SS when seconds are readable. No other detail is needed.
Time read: **8:02**
